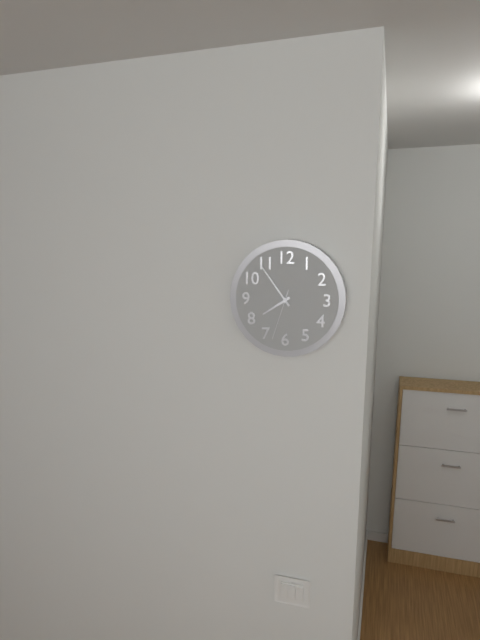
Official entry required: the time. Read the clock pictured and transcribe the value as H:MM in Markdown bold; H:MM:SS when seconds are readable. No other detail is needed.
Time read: **7:54:33**
